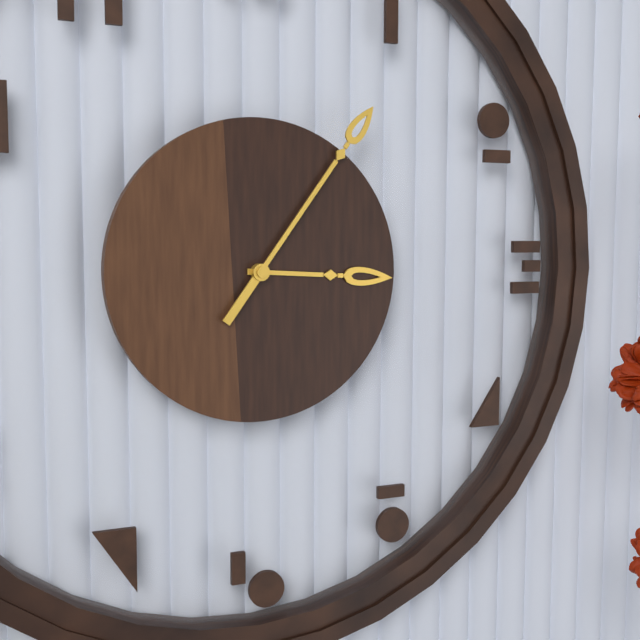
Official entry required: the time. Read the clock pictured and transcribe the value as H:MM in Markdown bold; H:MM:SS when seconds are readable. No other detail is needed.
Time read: **3:06**
